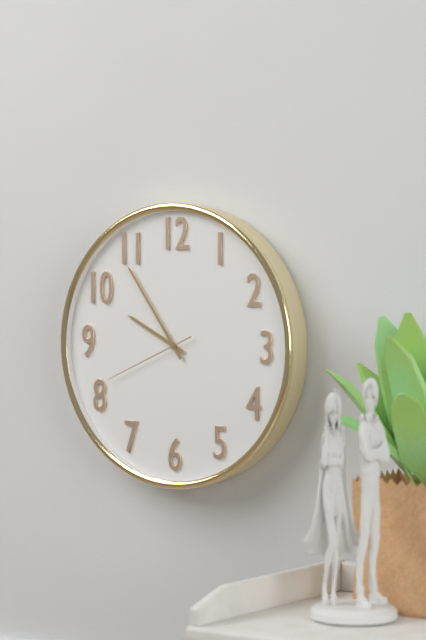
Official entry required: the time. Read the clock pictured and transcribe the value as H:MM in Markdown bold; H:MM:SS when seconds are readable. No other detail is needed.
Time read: **9:54:41**
